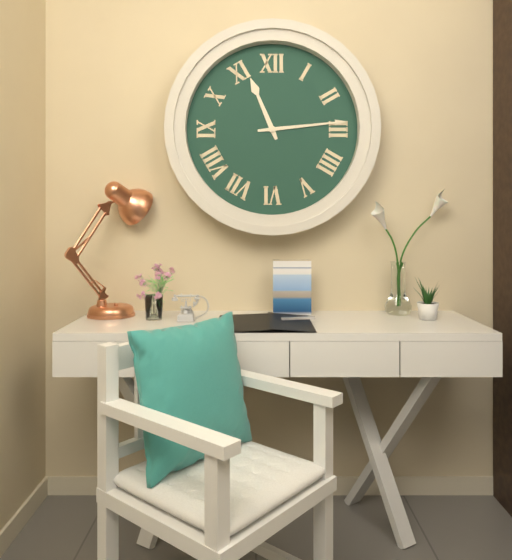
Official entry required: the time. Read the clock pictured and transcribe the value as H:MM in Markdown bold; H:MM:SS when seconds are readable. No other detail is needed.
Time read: **11:14**
